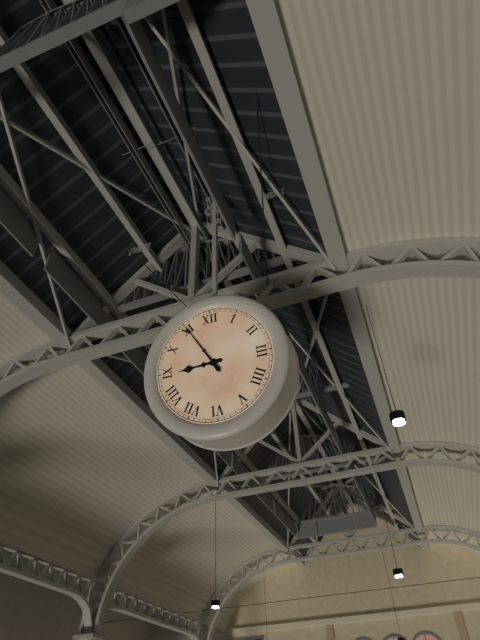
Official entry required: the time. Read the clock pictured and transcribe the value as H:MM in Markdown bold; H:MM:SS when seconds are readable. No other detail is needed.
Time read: **8:55**
